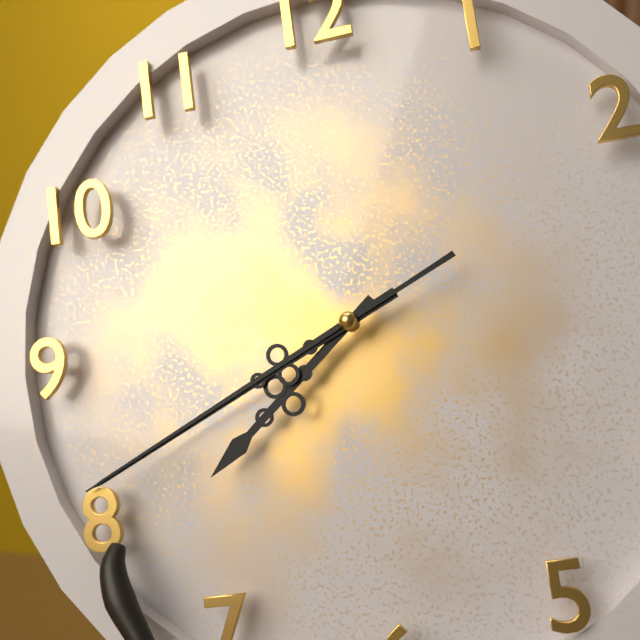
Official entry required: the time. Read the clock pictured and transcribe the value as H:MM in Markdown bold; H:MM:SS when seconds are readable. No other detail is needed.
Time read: **7:41:41**
